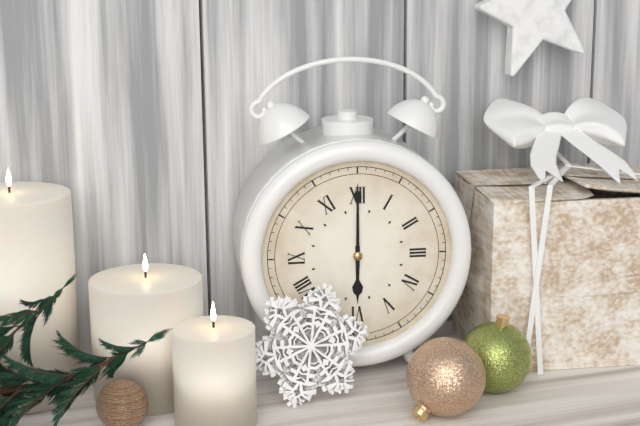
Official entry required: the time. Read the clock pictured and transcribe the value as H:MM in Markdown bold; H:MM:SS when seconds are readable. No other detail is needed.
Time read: **6:00**
